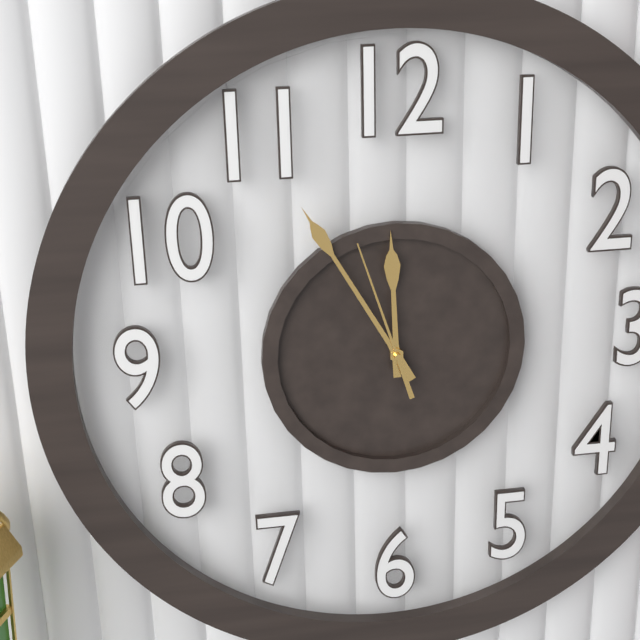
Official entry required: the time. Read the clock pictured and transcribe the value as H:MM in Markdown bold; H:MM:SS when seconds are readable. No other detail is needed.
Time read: **11:55:57**
